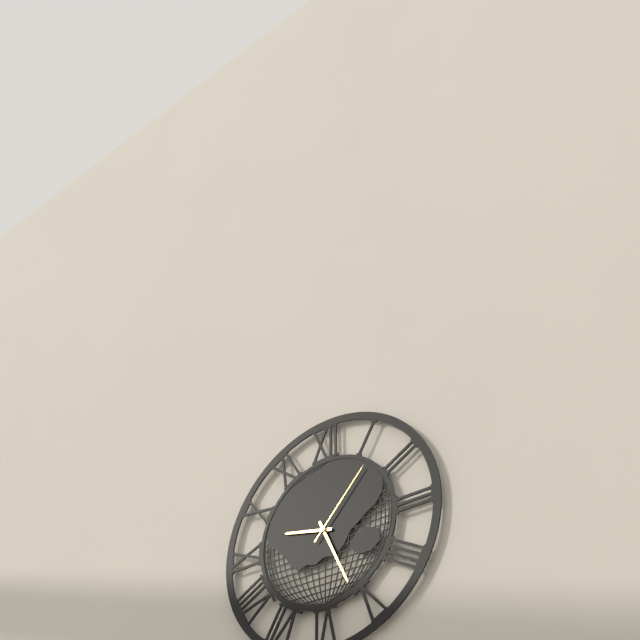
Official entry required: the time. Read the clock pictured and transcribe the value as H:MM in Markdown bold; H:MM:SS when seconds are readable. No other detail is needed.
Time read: **9:26:07**
